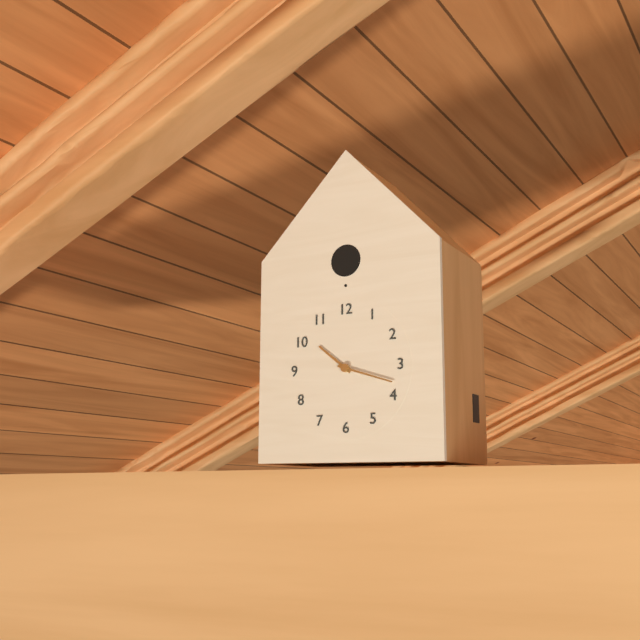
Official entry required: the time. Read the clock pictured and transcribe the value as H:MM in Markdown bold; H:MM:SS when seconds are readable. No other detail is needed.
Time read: **10:18**
